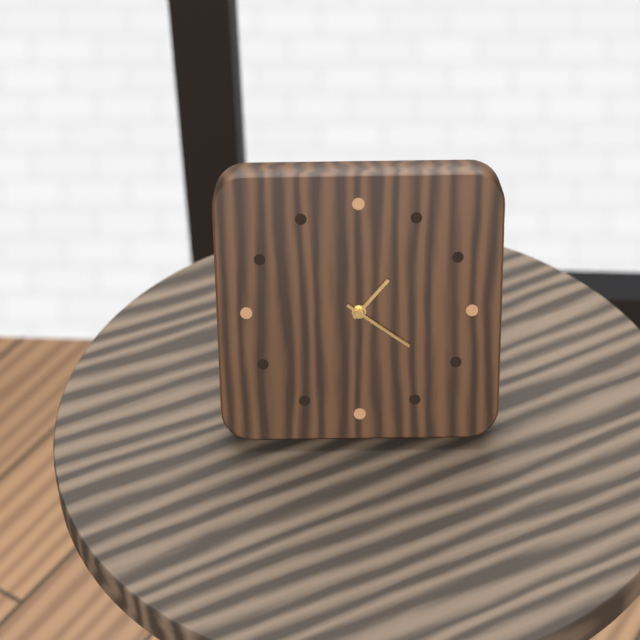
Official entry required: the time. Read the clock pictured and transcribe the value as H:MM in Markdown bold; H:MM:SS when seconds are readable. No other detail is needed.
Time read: **1:21**
